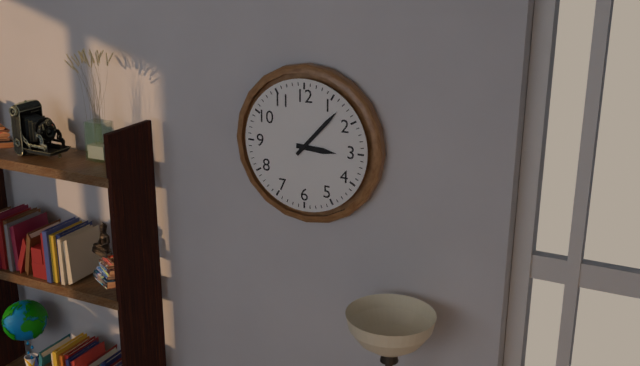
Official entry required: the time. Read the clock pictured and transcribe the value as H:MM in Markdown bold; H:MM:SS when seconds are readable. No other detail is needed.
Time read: **3:07**
